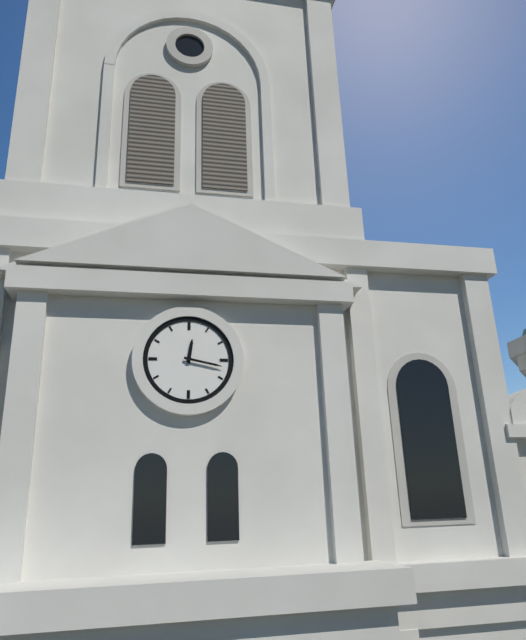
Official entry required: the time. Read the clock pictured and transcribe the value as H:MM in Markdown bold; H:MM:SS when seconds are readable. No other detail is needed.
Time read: **12:17**
